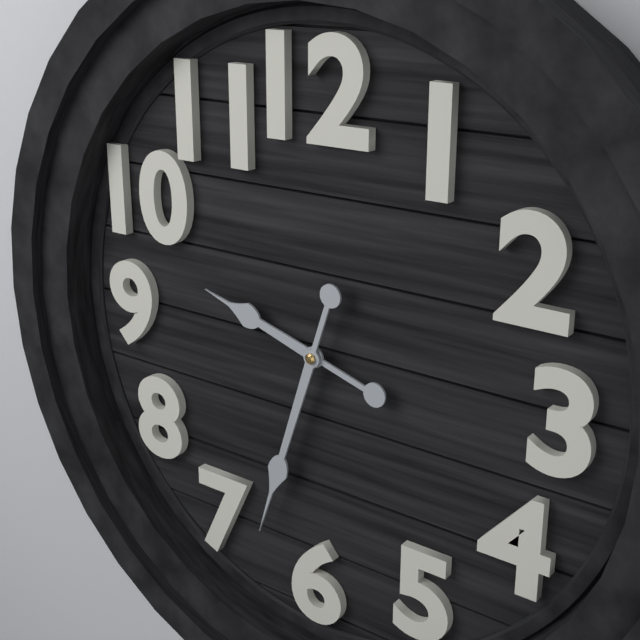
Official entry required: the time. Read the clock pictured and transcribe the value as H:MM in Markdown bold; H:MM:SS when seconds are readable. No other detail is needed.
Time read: **9:33**
